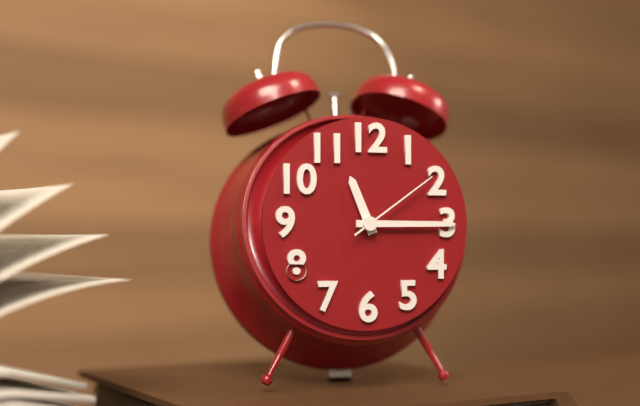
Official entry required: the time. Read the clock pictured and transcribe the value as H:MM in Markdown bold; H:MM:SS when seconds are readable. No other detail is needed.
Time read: **11:15:09**
